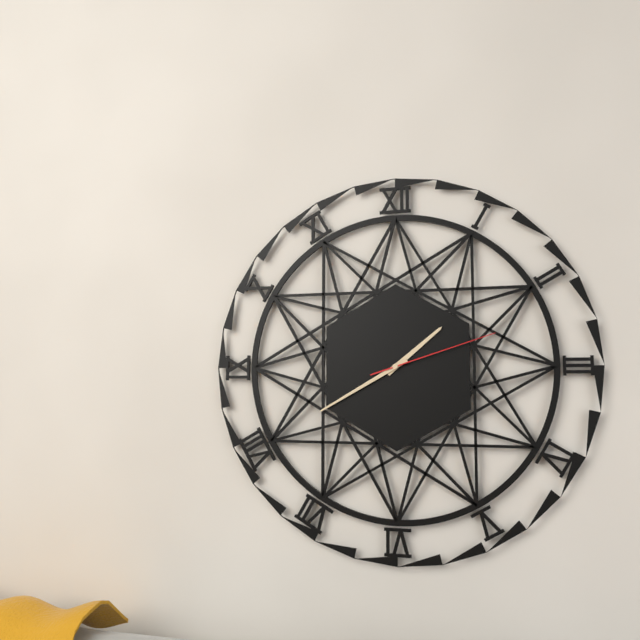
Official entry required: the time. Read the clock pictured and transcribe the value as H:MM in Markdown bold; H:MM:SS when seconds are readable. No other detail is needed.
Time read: **1:40:12**
